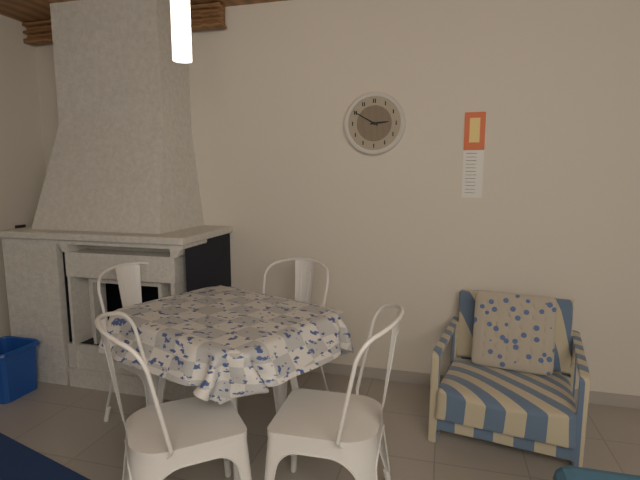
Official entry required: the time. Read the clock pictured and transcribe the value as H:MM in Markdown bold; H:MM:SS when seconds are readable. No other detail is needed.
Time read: **2:50**
